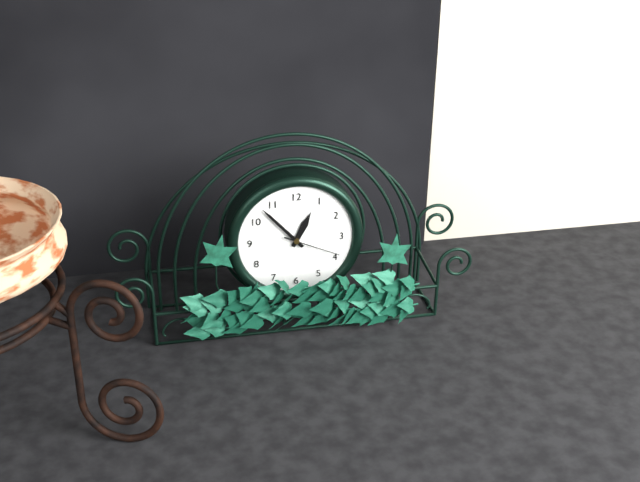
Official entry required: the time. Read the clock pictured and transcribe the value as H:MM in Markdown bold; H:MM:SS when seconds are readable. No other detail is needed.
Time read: **12:53:19**
